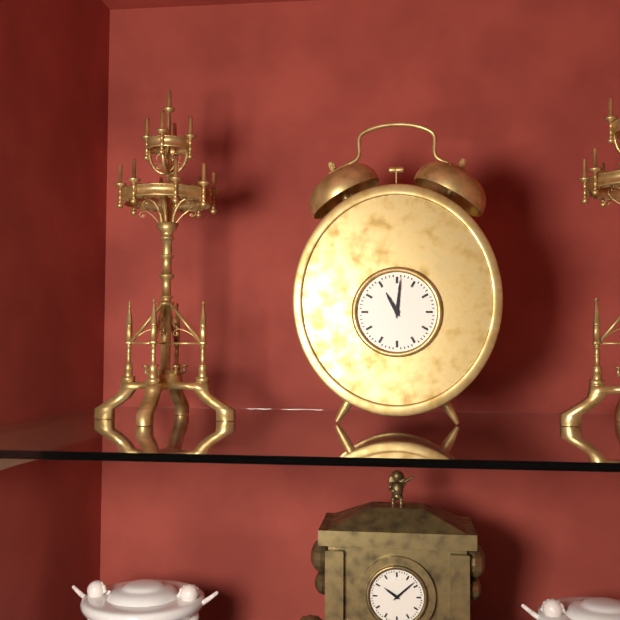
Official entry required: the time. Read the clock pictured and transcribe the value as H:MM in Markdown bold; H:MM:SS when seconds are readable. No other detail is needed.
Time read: **11:01**
